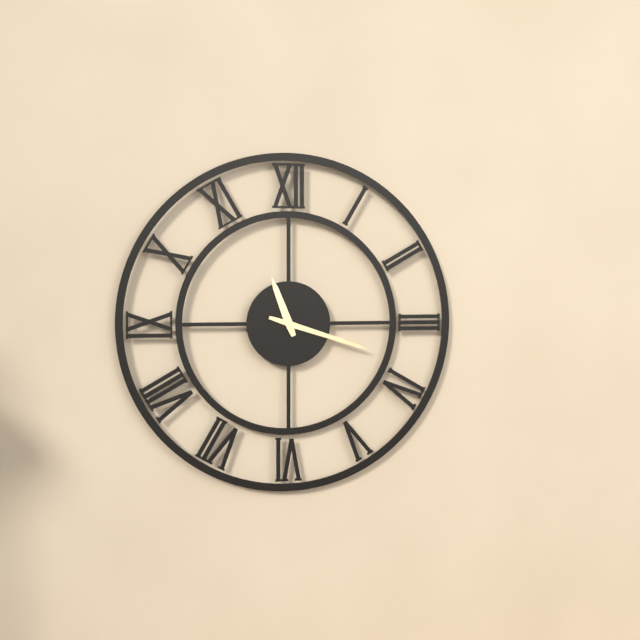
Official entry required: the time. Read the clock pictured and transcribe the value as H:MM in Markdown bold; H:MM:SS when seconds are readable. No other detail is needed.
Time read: **11:18**
